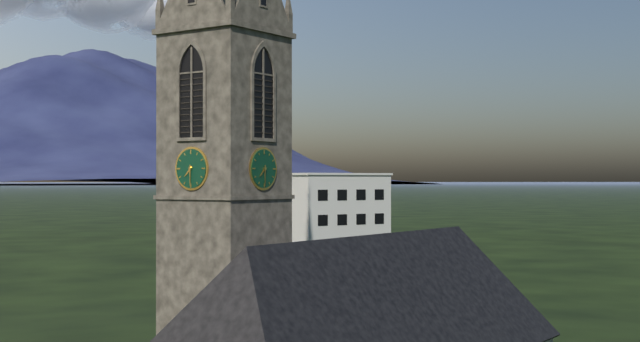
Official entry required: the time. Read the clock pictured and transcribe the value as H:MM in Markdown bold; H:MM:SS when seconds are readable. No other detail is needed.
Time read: **7:30**
